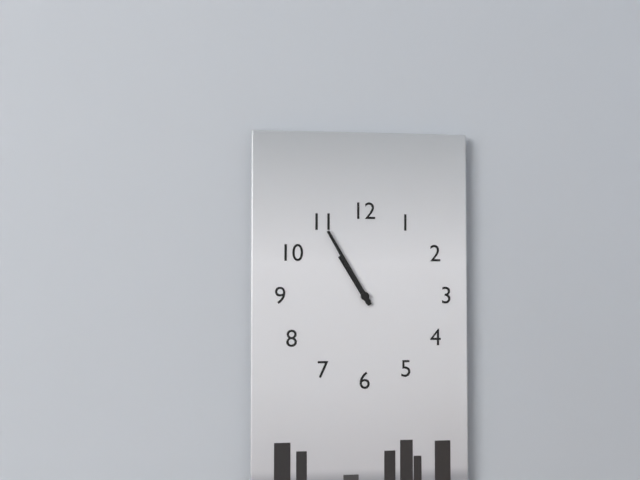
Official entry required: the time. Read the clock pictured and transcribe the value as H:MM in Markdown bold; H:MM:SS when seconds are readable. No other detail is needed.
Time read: **10:55**
